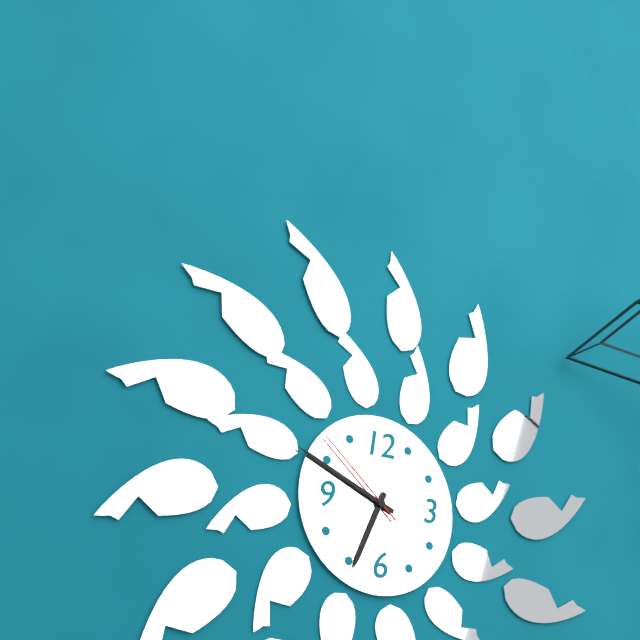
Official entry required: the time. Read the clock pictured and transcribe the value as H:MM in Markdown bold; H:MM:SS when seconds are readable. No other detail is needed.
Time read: **6:49:52**
